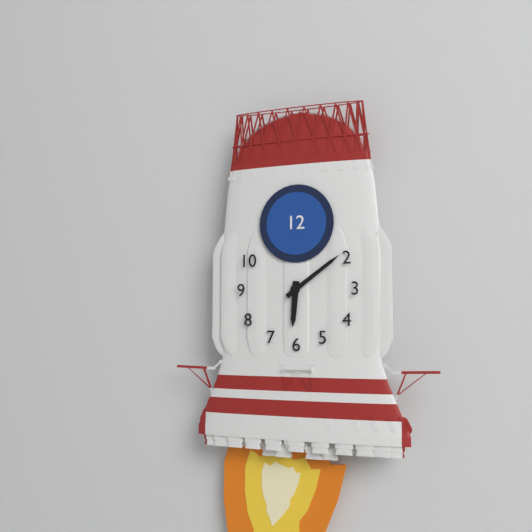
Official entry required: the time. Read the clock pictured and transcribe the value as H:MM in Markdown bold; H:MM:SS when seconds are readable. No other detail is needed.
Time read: **6:09**
